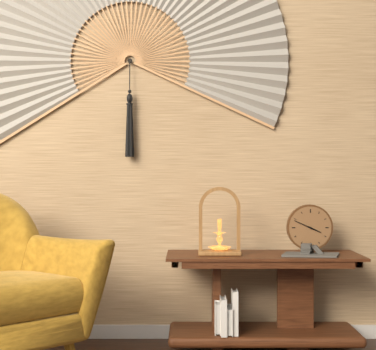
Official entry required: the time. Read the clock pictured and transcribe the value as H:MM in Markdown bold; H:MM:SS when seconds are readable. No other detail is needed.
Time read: **3:49**
